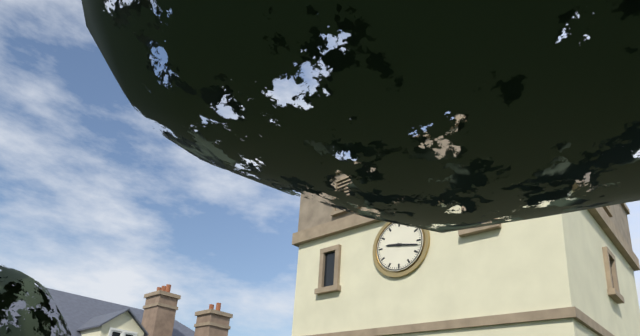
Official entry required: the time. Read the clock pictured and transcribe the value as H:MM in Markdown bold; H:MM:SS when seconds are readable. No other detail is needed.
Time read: **9:17**
